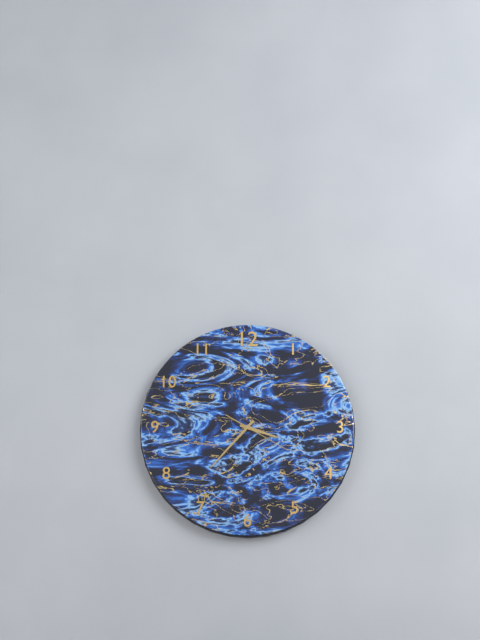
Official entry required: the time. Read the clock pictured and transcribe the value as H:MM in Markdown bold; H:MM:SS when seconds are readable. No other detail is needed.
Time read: **3:37:20**
